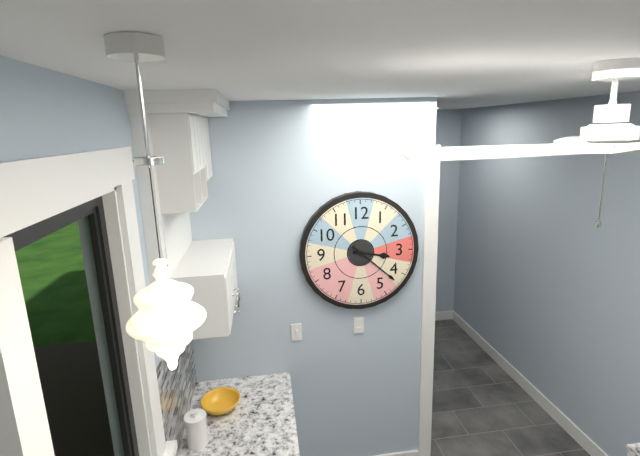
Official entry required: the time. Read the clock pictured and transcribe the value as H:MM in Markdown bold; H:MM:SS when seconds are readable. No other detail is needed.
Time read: **3:22**
